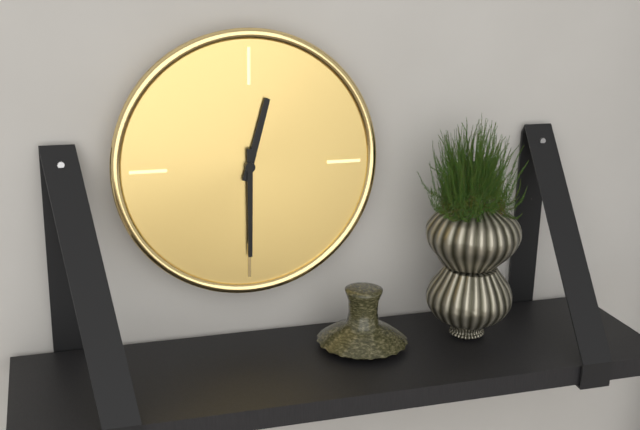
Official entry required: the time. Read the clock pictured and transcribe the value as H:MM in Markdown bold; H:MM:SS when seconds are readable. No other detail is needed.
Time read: **12:30**
